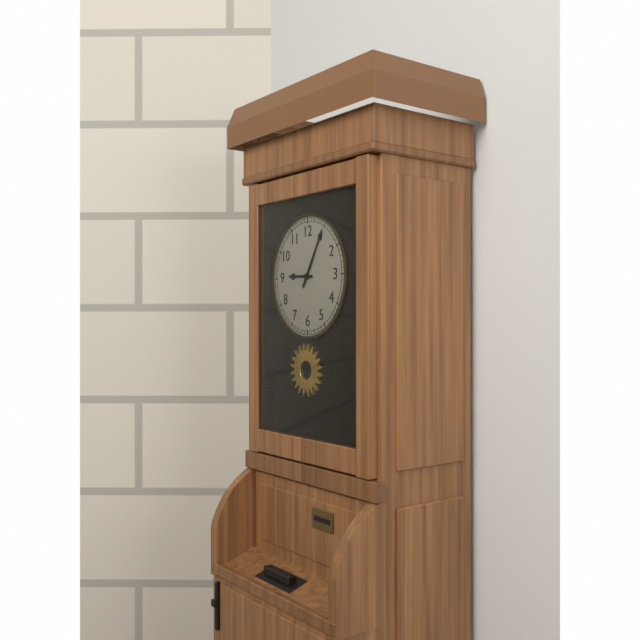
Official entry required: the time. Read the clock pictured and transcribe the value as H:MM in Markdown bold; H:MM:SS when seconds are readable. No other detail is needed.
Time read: **9:05**
